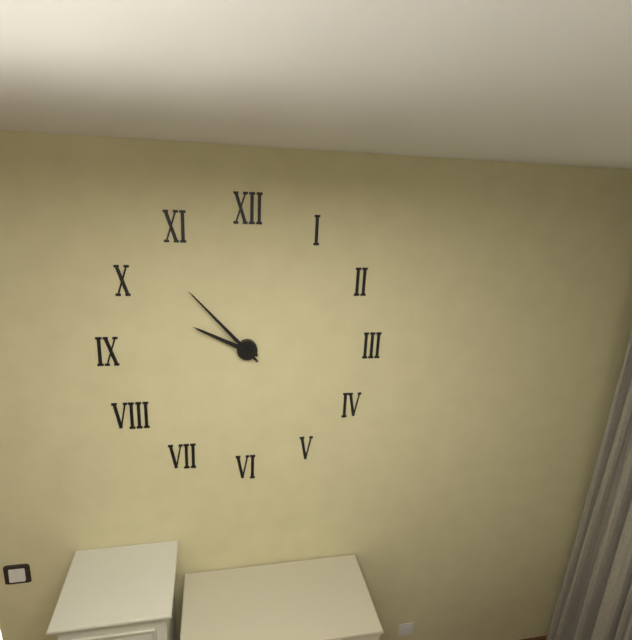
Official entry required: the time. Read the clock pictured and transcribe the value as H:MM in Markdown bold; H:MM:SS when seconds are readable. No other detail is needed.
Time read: **9:53**
